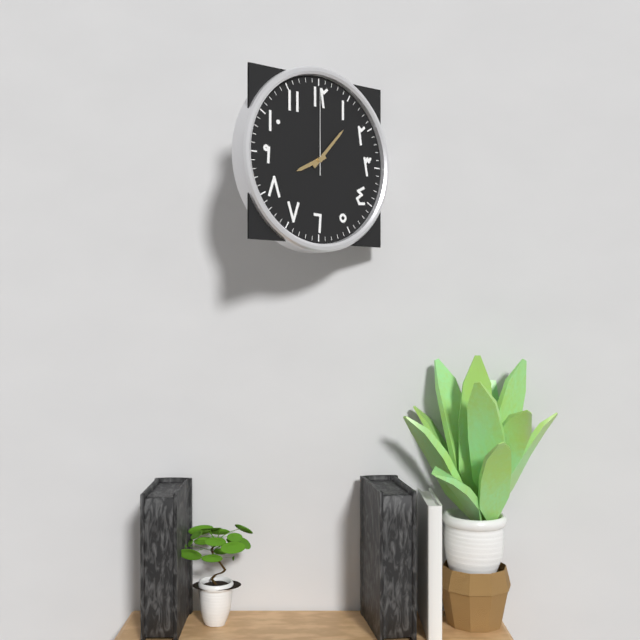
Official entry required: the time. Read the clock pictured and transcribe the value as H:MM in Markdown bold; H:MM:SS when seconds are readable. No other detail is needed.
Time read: **8:07:00**
